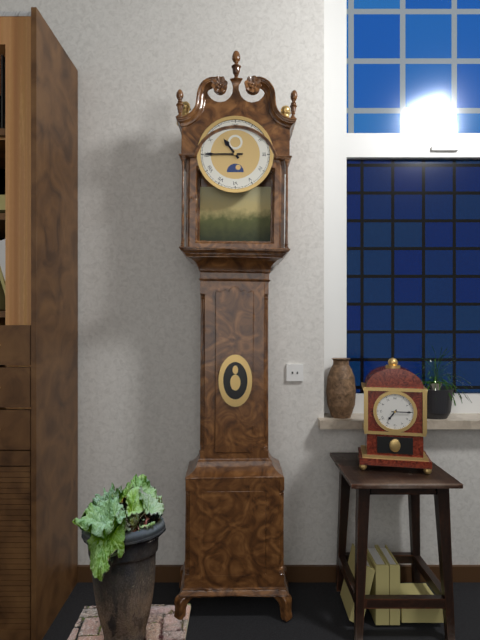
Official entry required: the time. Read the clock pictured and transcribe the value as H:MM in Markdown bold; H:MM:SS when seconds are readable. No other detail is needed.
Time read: **10:45**
